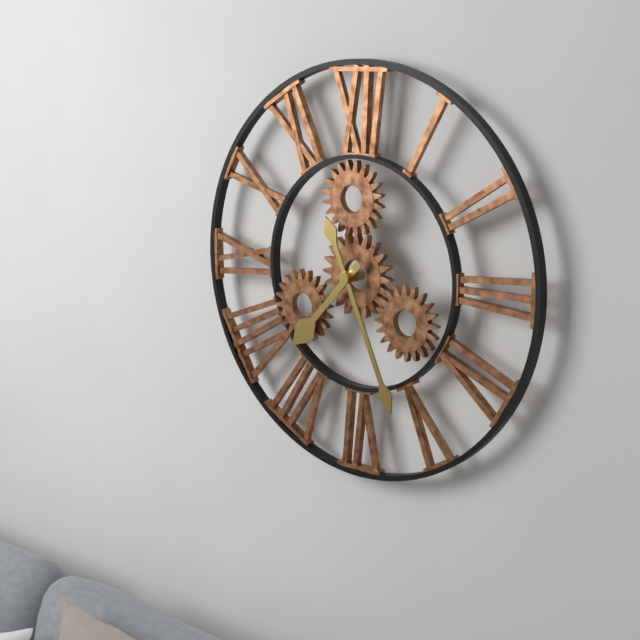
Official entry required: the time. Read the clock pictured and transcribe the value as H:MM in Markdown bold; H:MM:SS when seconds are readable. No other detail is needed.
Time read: **7:26**
